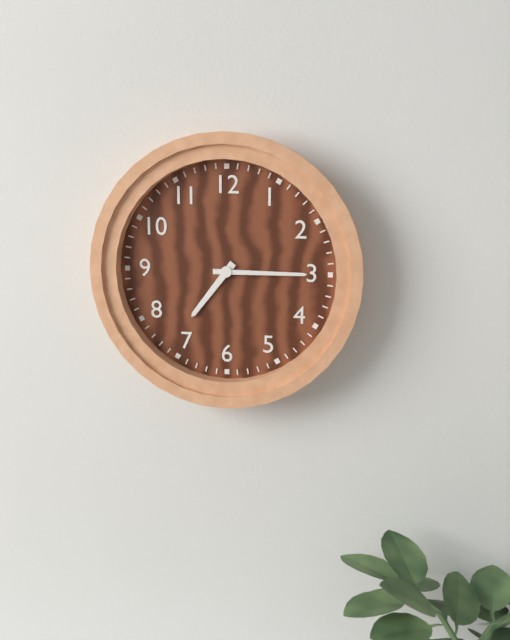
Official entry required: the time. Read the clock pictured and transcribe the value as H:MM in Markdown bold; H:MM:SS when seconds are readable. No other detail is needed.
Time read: **7:15**
